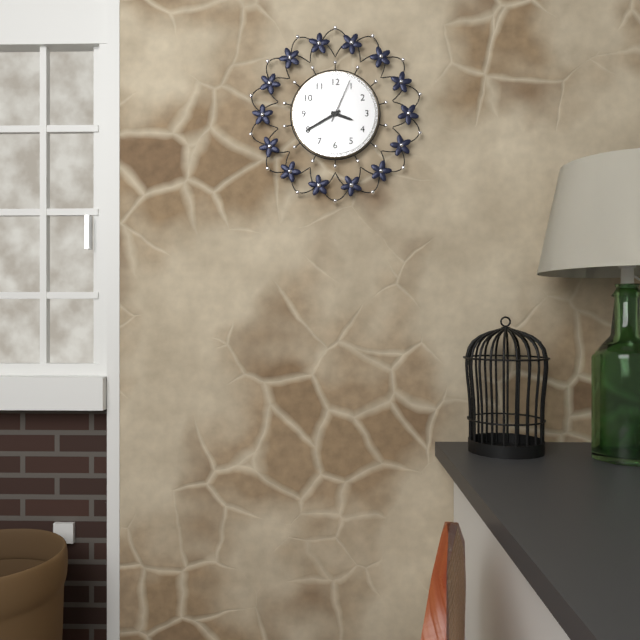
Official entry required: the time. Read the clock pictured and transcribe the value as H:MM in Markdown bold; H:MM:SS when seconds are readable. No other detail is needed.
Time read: **3:40**
